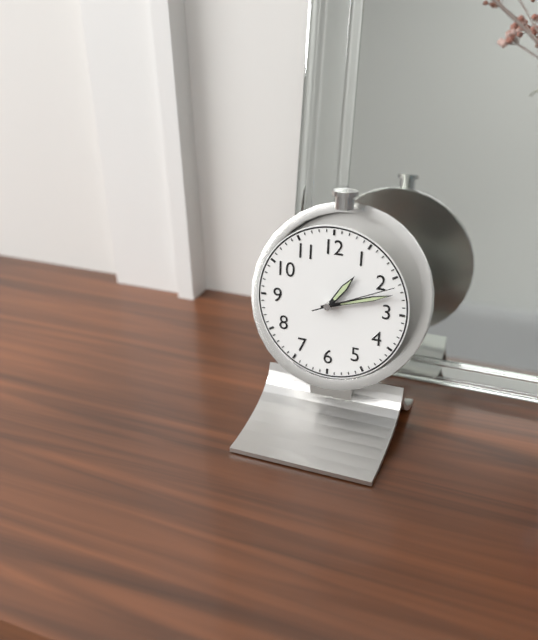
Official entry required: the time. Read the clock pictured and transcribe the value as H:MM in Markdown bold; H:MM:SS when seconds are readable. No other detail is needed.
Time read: **1:12:11**
